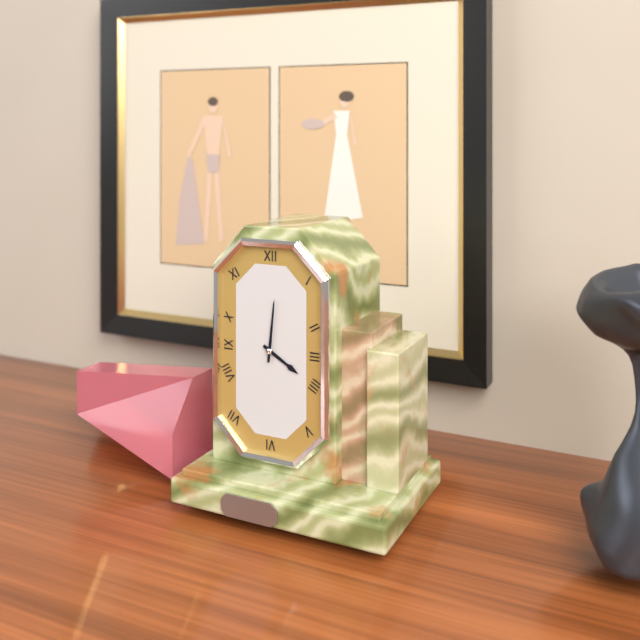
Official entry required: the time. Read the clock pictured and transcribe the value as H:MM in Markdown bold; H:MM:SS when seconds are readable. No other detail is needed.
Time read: **4:01**
